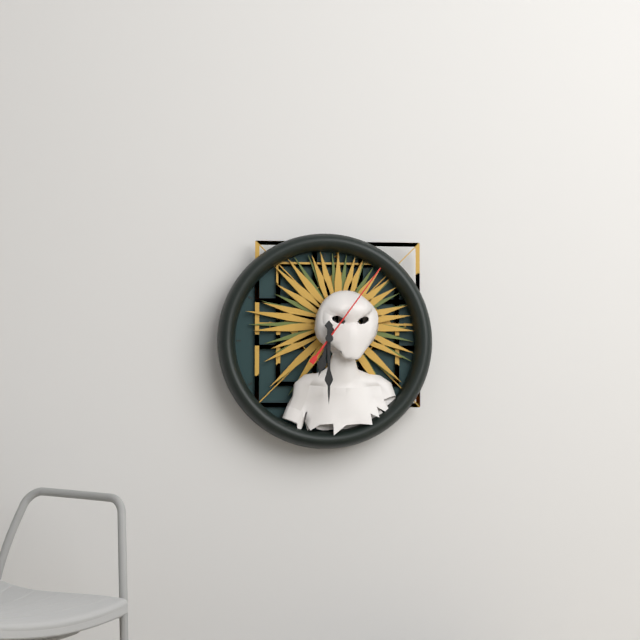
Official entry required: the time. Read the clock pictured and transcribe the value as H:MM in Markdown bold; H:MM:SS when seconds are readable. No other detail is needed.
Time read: **6:30:06**
